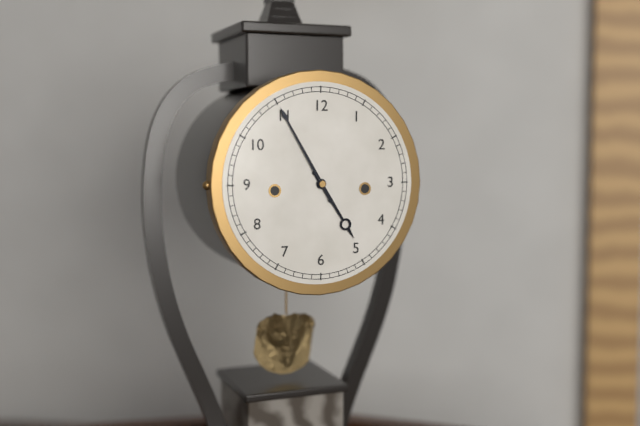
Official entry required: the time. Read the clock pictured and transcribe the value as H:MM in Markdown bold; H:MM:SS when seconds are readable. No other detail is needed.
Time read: **4:55**
